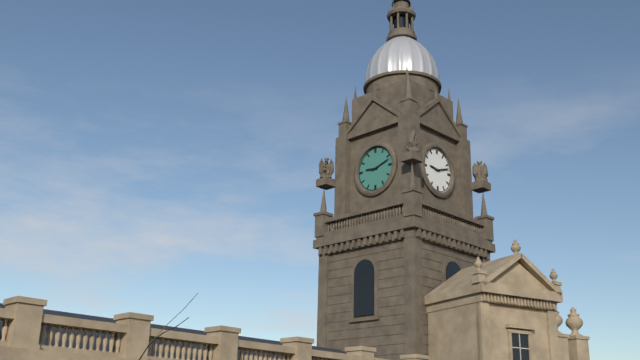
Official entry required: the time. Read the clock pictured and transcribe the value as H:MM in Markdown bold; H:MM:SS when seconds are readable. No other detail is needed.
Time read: **9:12**
